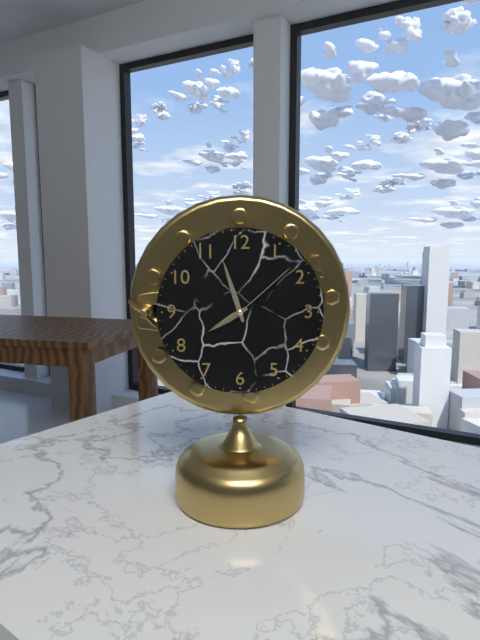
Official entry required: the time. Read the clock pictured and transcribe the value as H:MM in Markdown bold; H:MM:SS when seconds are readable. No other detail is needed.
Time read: **7:57:08**
